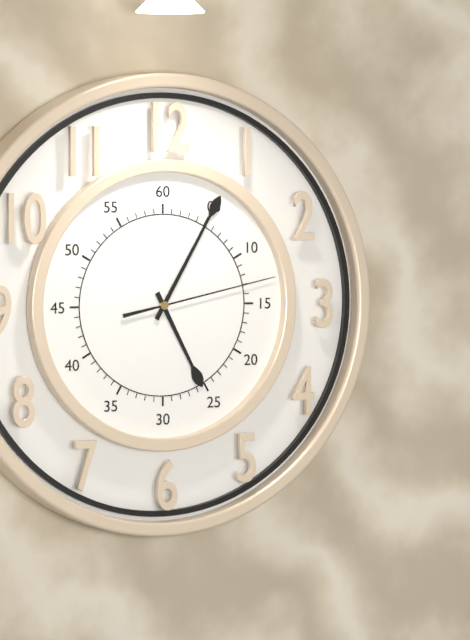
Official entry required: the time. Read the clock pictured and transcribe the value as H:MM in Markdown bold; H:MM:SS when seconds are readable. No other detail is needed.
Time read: **5:05:13**
